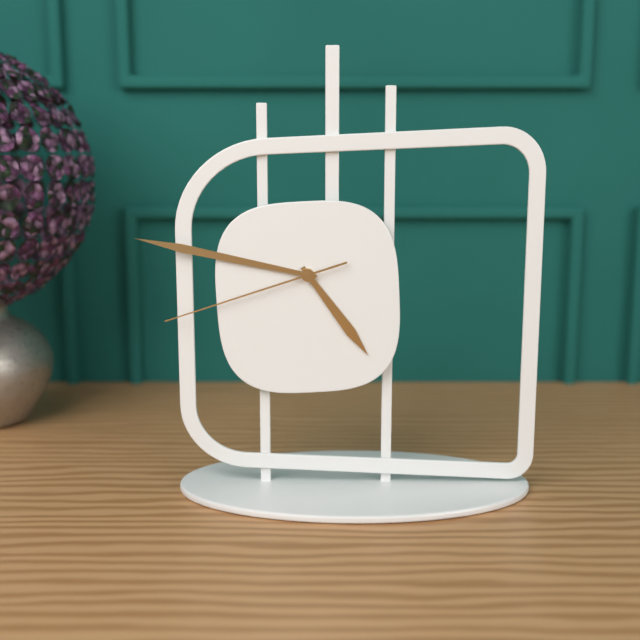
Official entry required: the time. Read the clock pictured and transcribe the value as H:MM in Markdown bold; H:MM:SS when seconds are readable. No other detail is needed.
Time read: **4:47:42**
